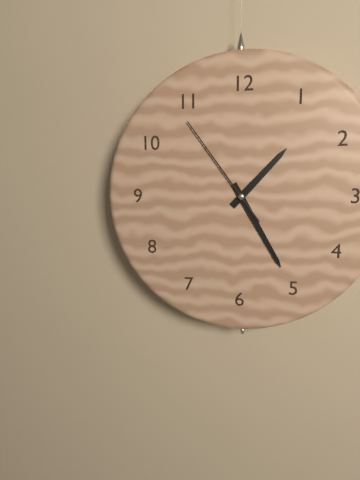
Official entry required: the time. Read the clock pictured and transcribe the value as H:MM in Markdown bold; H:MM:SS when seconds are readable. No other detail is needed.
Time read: **1:25:54**
